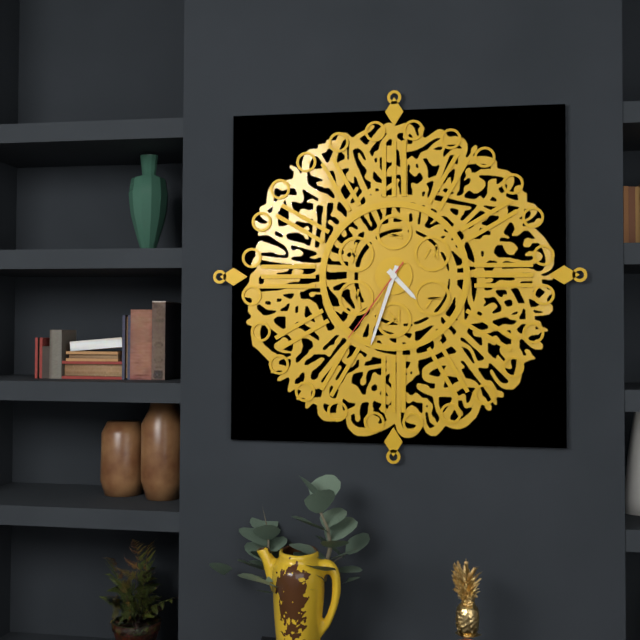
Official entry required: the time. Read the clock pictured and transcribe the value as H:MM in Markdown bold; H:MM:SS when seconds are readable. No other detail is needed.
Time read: **4:33:36**
